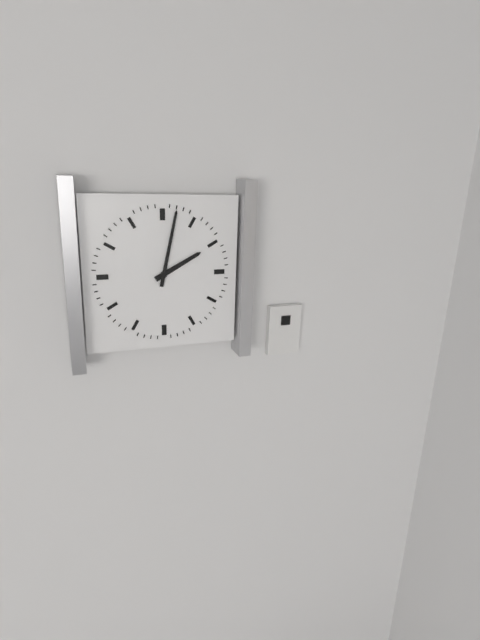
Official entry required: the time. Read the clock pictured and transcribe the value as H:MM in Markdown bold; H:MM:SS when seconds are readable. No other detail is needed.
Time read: **2:02**
